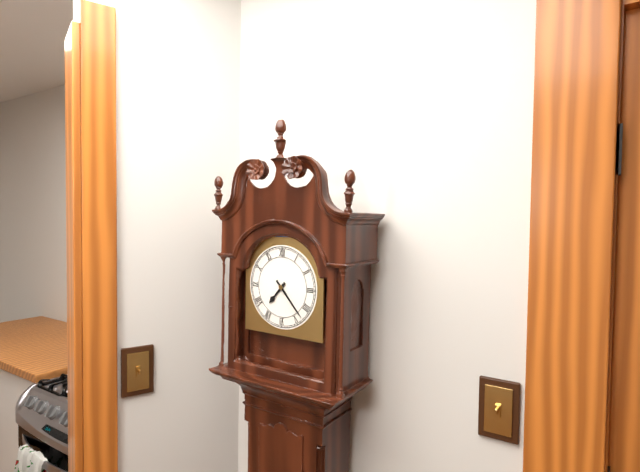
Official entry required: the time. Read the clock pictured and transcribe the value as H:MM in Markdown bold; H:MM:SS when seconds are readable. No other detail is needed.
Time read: **7:23**
